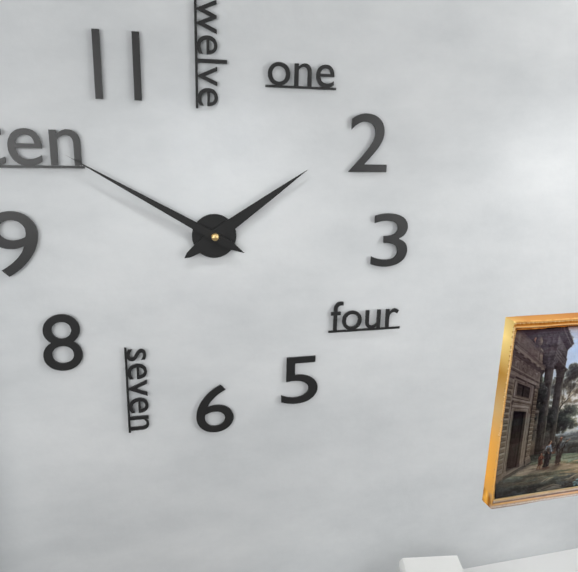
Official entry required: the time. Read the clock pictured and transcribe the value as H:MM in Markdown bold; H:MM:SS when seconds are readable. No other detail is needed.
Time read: **1:50**
